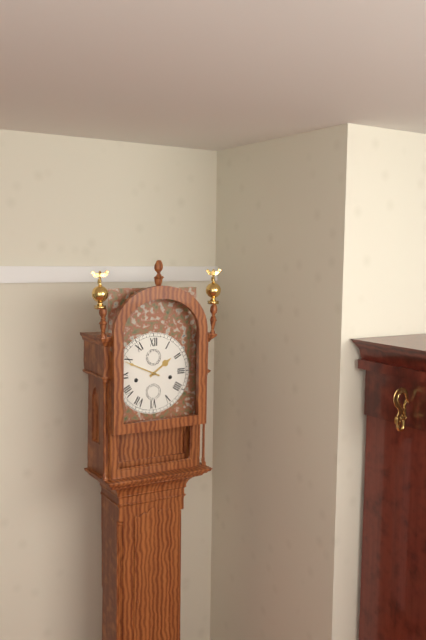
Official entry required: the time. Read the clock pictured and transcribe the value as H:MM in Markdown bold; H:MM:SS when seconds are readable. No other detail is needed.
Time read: **1:49**
